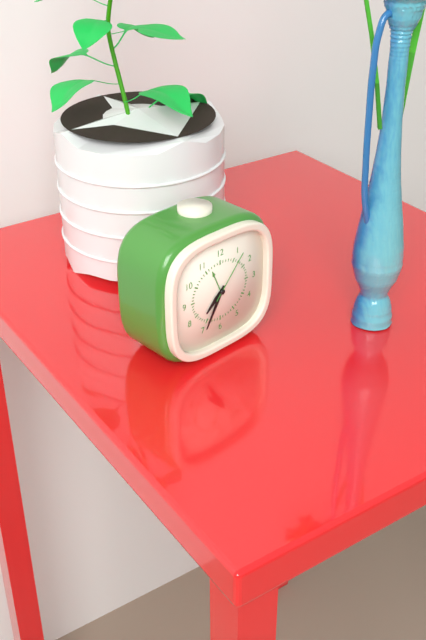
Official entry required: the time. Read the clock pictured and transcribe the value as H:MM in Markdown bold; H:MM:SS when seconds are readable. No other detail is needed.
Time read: **7:35:07**
